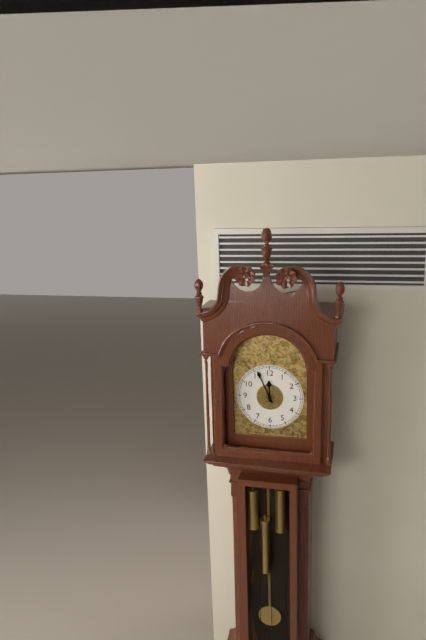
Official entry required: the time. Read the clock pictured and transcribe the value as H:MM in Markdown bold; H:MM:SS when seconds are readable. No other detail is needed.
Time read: **11:56**
